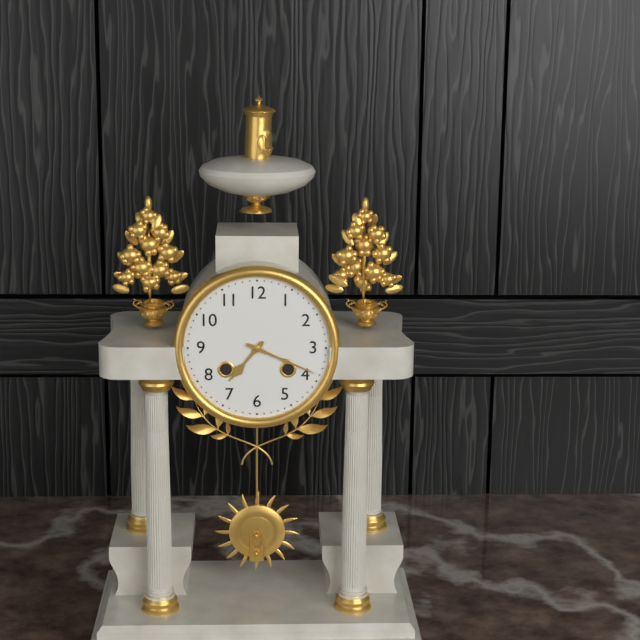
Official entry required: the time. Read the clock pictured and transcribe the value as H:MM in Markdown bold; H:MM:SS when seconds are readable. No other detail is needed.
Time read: **7:19**
